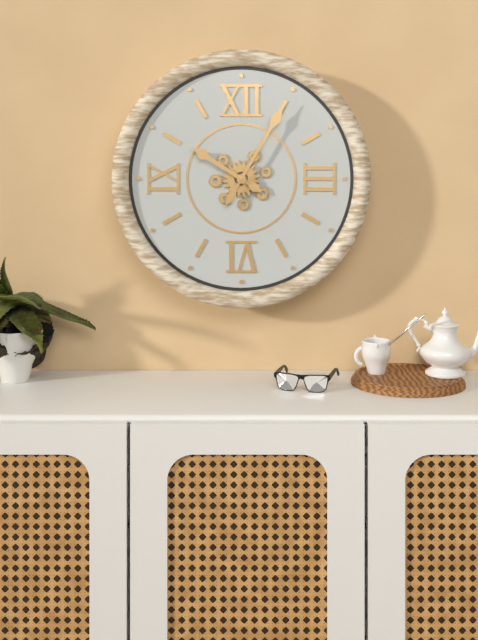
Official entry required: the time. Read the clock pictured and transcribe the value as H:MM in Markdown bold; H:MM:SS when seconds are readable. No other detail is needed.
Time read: **10:05**
